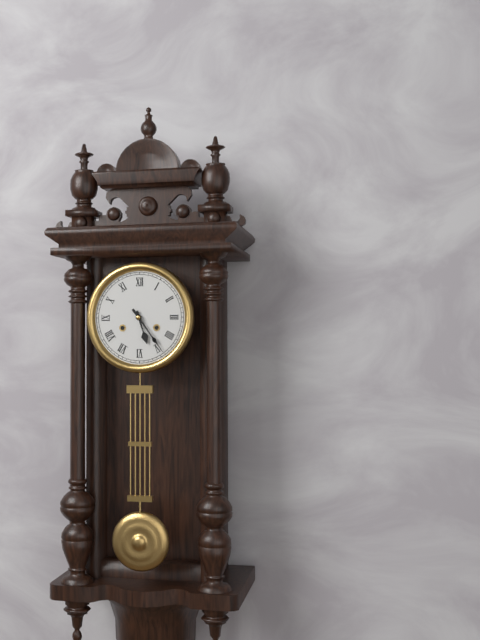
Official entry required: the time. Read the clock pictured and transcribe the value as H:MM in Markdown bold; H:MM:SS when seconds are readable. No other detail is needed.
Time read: **5:24**
